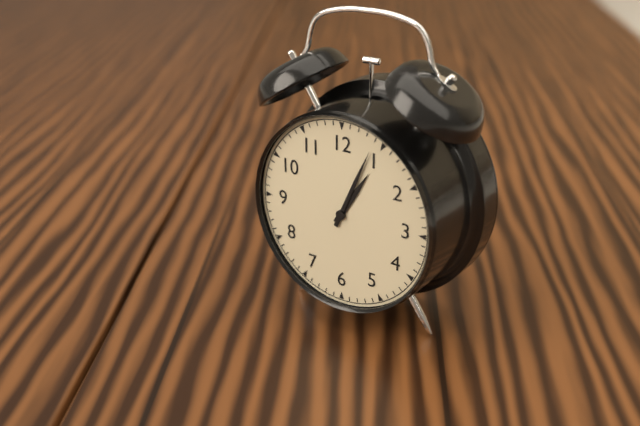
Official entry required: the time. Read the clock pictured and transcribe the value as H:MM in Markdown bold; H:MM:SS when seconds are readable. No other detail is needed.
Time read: **1:04**
